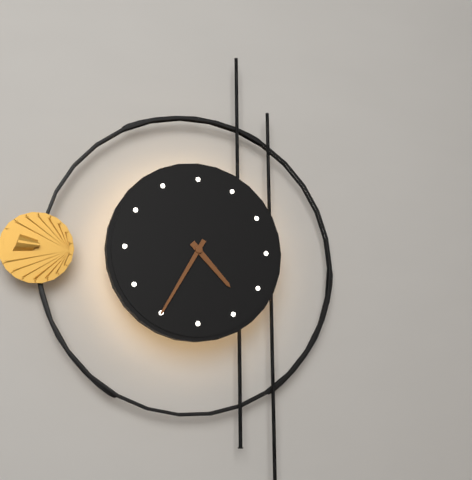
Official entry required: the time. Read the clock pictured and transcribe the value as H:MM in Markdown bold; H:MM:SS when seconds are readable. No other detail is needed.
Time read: **4:35**
